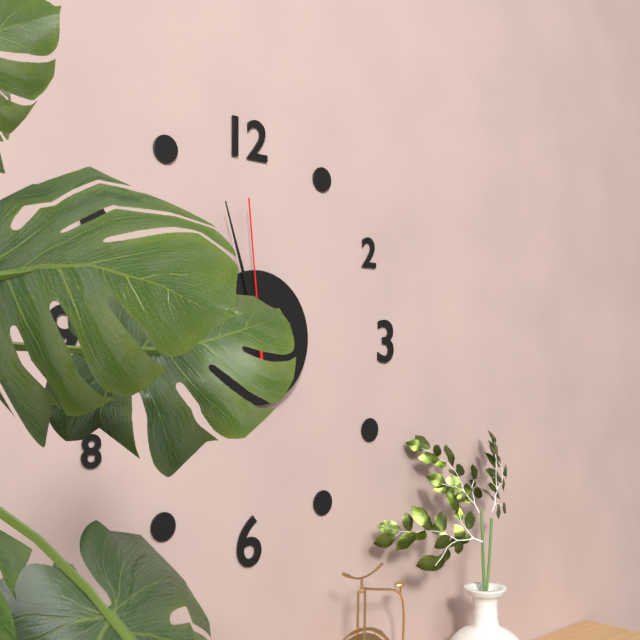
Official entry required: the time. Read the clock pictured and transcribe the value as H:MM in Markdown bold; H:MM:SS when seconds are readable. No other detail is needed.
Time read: **9:57:59**
